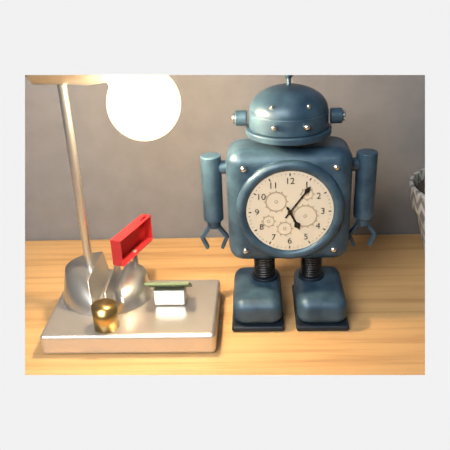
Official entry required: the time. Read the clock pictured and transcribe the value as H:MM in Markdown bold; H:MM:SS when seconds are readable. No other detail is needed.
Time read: **5:06**
